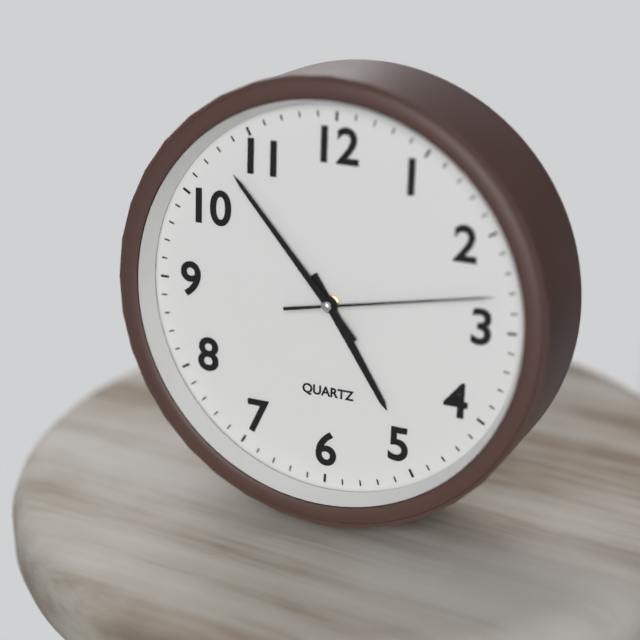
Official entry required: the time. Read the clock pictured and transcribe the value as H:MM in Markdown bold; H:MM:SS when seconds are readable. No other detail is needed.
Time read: **4:53:13**
